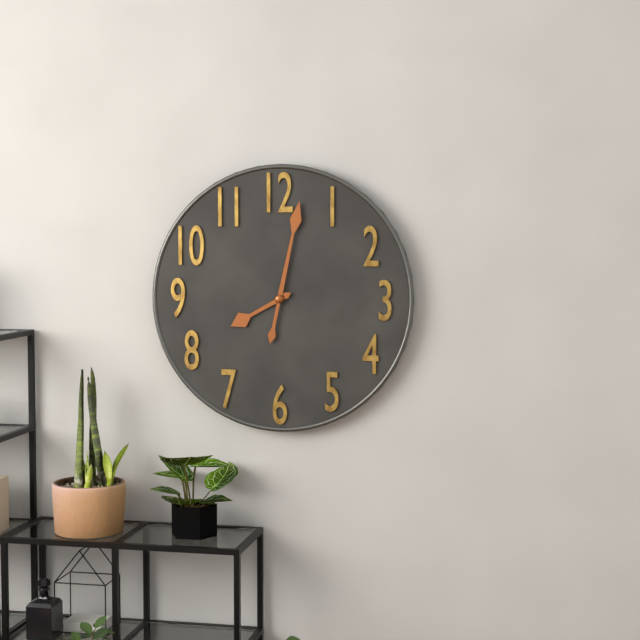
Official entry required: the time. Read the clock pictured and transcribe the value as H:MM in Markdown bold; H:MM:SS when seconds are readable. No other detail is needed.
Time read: **8:02**
